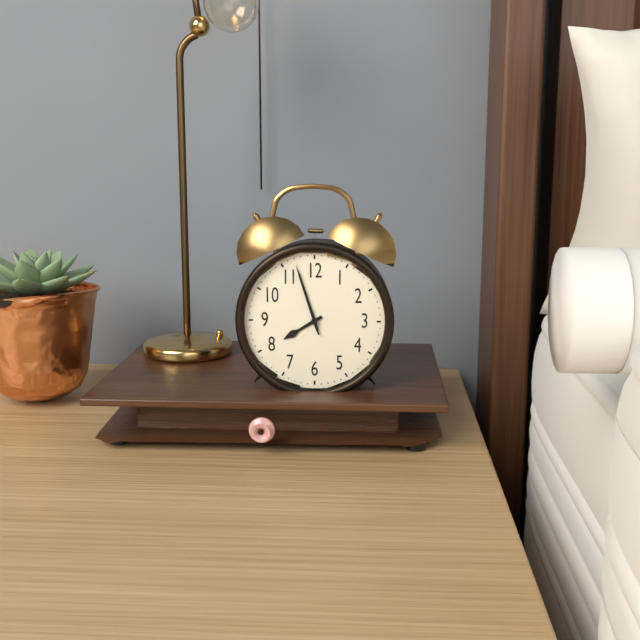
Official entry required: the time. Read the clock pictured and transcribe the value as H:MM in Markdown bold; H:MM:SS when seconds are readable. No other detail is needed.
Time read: **7:57:57**
